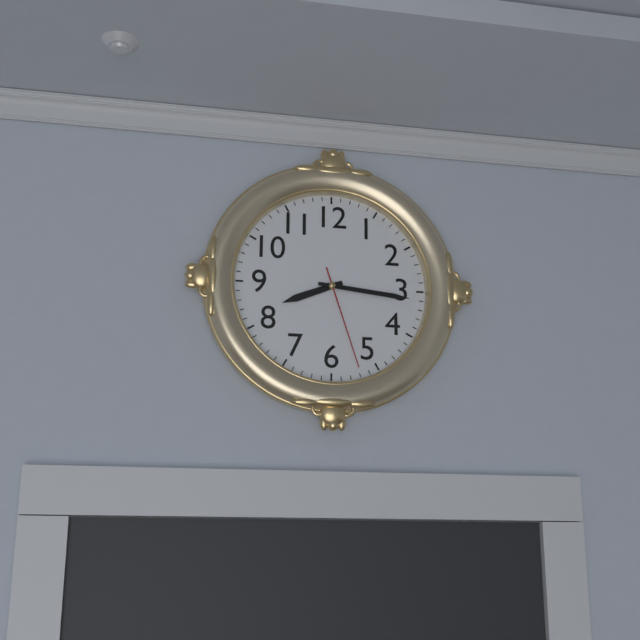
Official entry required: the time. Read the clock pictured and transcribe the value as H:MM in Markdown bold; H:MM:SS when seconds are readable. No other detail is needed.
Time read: **8:16:27**
